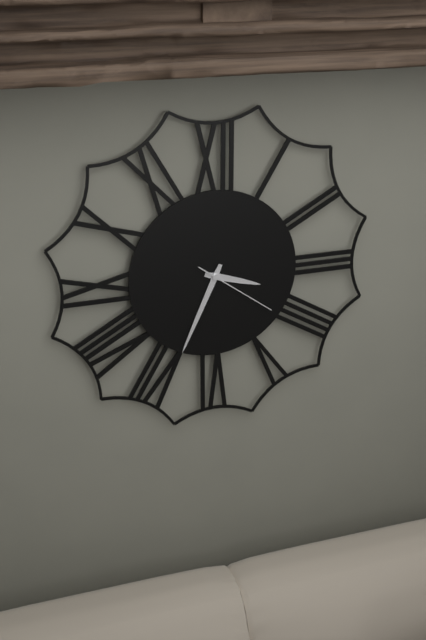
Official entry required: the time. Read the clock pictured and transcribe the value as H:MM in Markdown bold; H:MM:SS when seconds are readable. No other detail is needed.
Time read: **3:34:21**
